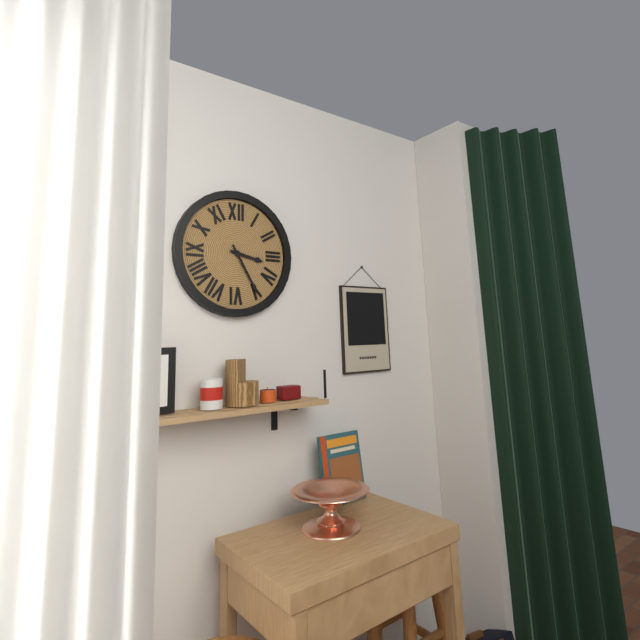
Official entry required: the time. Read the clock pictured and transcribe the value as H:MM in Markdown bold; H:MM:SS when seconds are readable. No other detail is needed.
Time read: **3:25**
